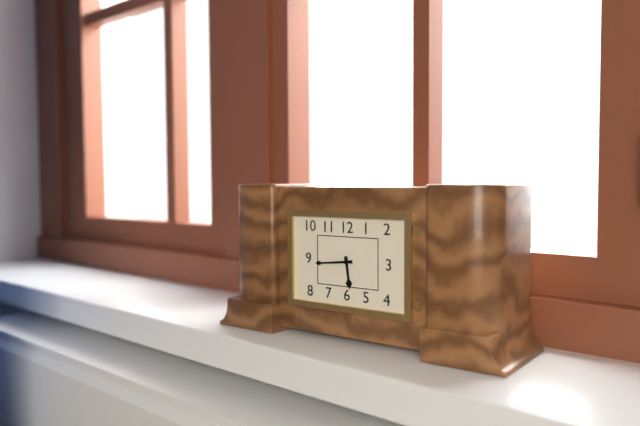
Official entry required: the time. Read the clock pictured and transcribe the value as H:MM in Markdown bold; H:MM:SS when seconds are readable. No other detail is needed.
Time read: **5:44**
